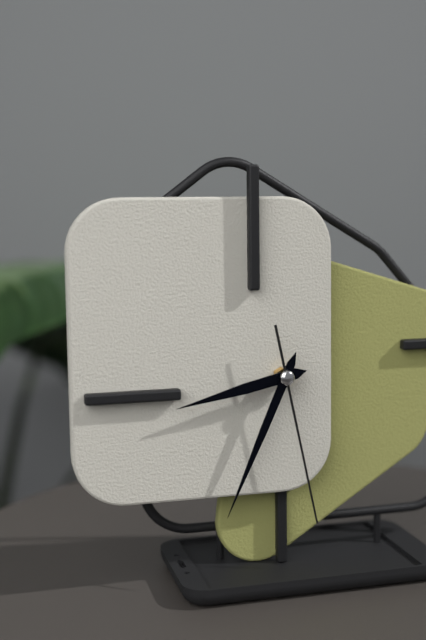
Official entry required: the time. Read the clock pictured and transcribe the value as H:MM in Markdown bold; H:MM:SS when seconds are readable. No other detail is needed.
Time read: **8:34:28**
